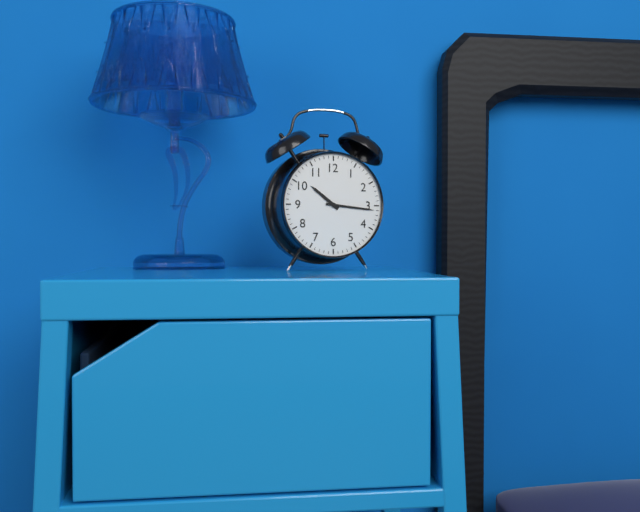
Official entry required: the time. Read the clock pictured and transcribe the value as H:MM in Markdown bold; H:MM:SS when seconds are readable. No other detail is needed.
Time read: **10:16**
